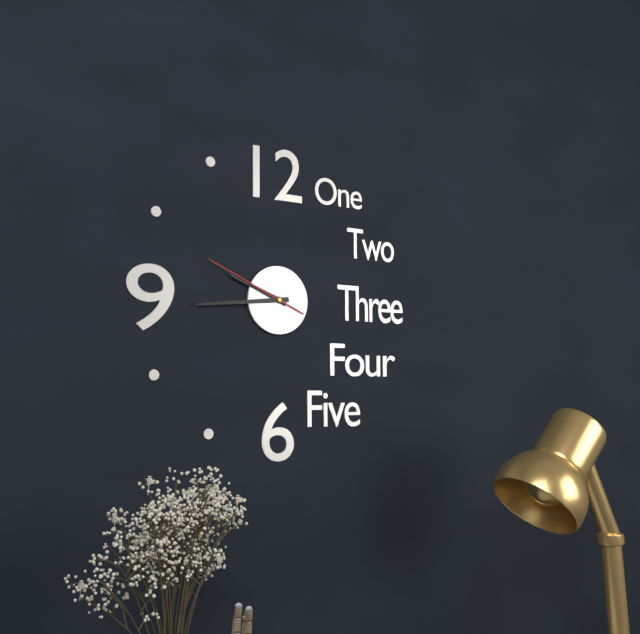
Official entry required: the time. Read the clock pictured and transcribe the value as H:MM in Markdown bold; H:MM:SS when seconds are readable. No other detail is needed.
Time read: **9:44:49**
